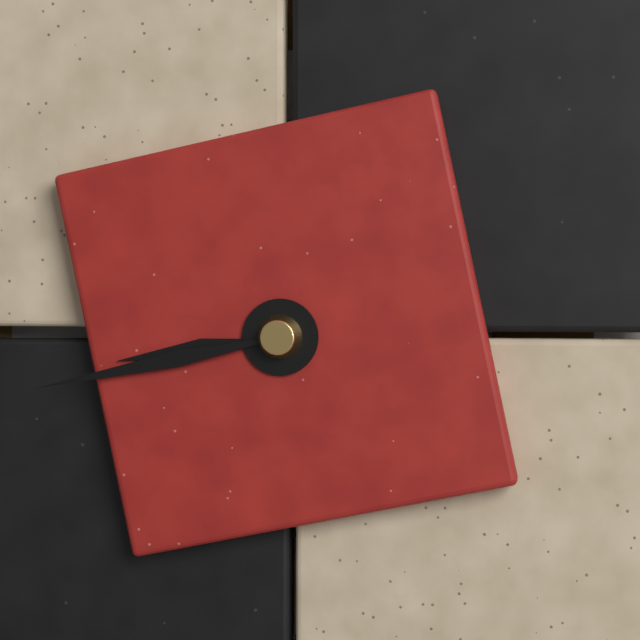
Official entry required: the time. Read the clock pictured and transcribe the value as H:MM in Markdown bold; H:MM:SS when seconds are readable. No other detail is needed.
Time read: **8:43**
